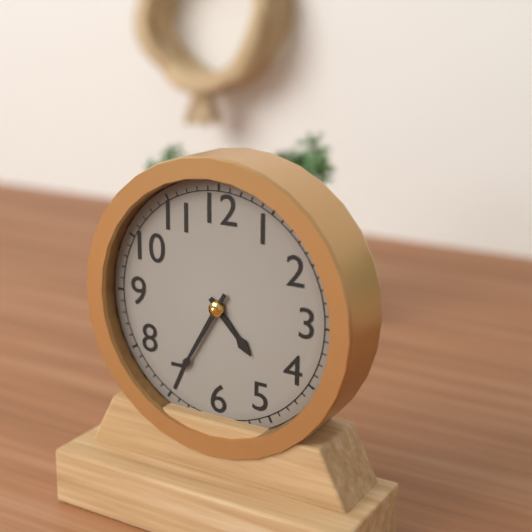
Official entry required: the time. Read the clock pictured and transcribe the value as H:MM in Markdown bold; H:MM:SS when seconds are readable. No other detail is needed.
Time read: **4:35**
